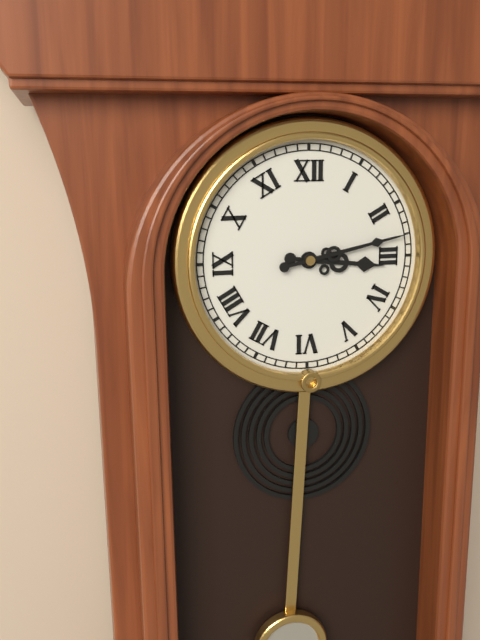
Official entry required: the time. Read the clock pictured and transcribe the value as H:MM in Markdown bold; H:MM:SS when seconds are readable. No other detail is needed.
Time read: **3:13**
